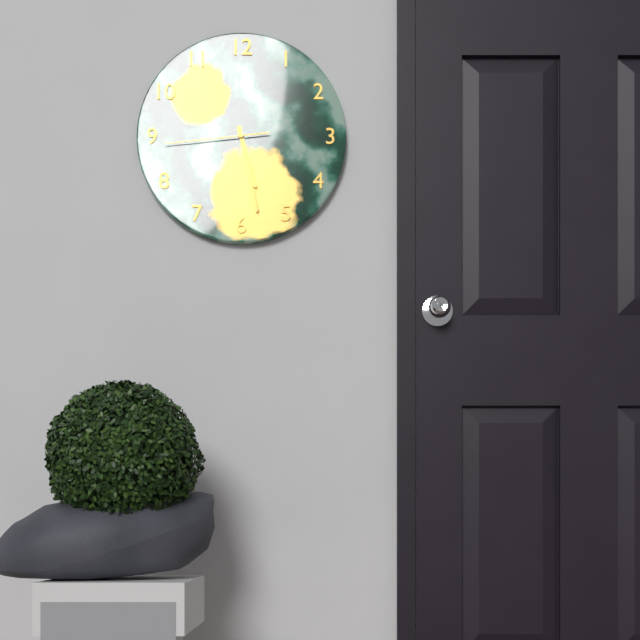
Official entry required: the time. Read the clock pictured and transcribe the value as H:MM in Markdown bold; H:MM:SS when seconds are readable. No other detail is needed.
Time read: **5:28:44**
